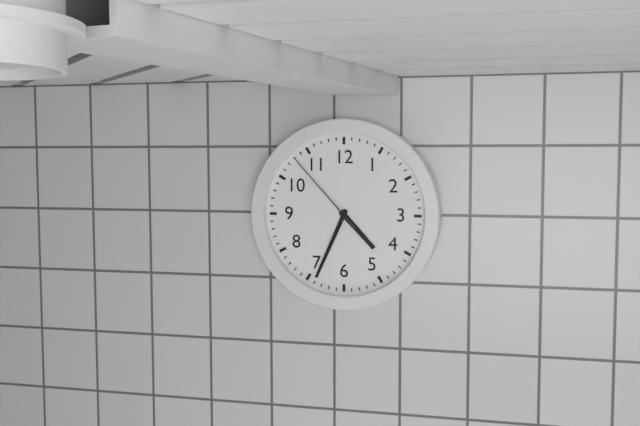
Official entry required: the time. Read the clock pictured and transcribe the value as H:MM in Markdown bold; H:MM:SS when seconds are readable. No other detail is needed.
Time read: **4:34:53**
